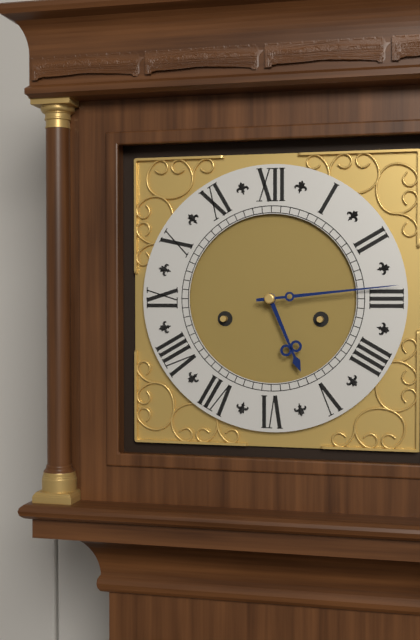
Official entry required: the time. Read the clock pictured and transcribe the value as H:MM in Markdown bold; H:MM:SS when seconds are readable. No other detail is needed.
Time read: **5:14**
